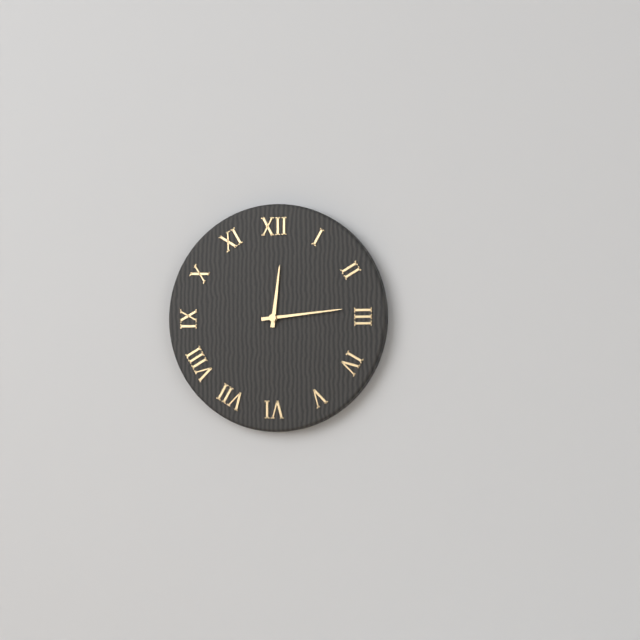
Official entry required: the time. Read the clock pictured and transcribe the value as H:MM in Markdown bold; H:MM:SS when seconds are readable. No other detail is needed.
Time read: **12:14**
